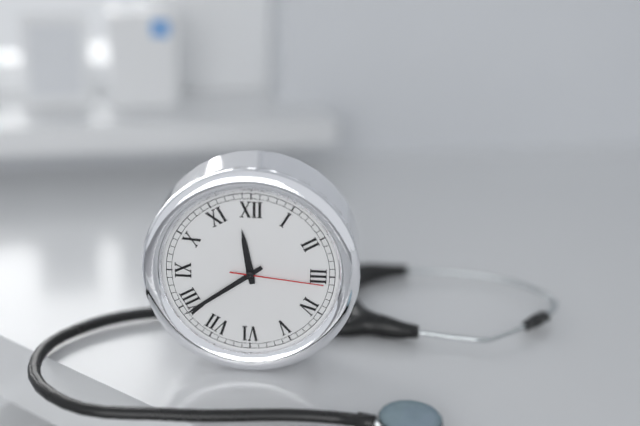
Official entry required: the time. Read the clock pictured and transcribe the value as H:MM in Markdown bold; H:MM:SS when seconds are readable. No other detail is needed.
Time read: **11:39:16**
